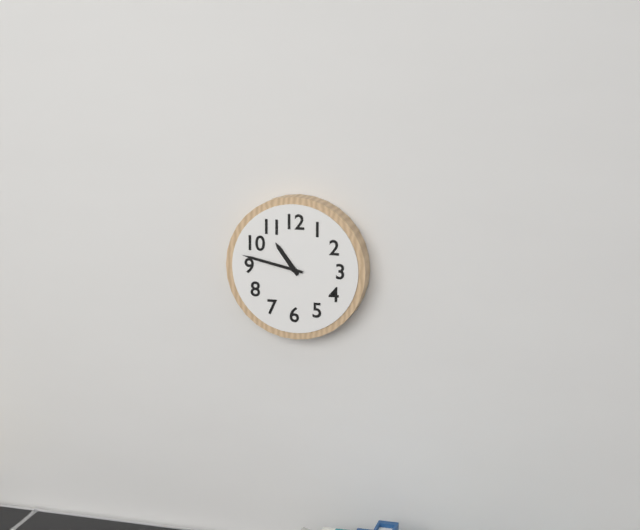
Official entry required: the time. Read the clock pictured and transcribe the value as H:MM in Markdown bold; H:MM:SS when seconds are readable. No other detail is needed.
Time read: **10:47**
